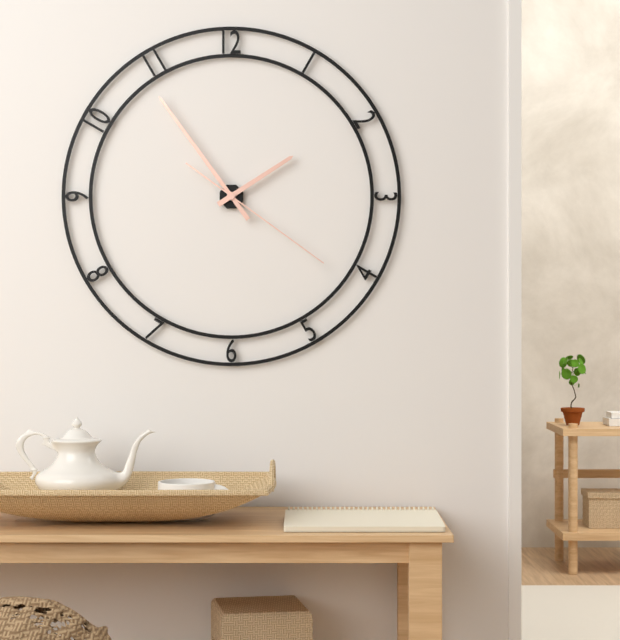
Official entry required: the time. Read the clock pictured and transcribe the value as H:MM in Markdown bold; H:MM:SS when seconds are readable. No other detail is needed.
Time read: **1:54:21**
